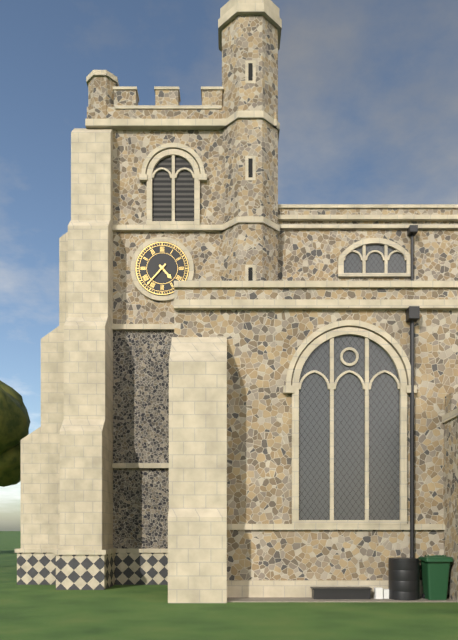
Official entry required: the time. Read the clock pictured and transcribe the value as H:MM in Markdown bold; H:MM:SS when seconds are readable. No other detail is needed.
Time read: **4:37**
